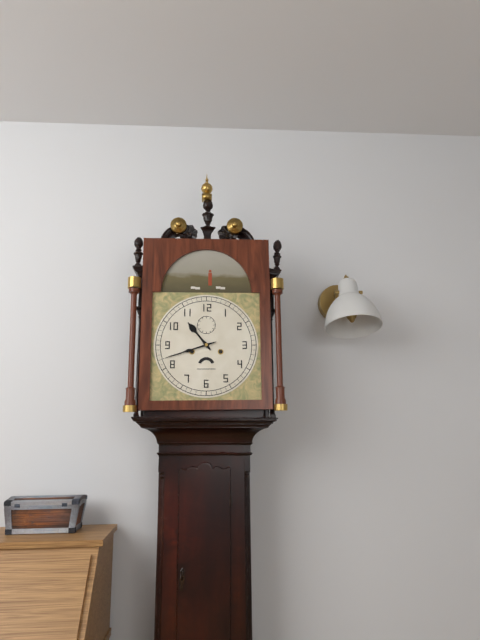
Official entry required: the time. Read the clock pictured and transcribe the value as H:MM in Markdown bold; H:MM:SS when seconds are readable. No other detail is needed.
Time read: **10:42**
